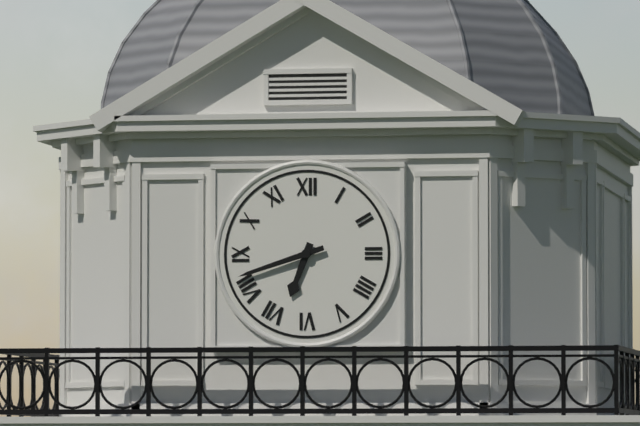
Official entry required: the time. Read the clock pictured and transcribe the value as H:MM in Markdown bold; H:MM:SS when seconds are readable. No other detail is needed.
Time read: **6:42**
